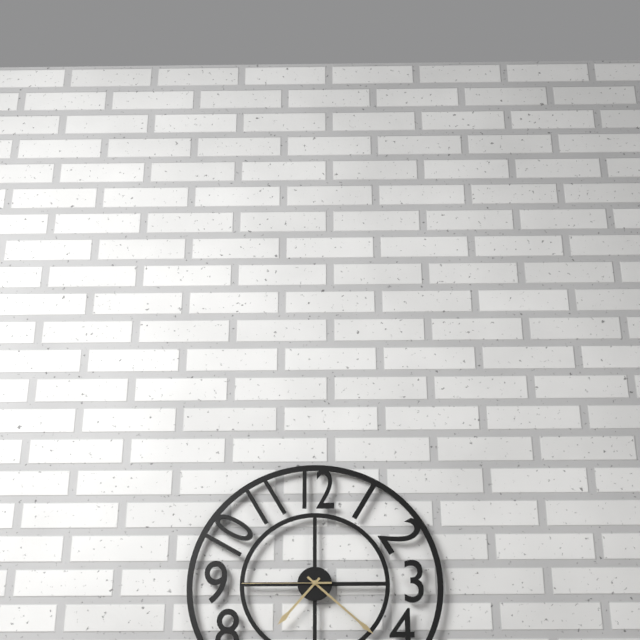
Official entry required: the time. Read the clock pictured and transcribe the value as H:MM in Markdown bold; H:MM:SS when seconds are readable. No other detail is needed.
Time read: **7:22:45**
